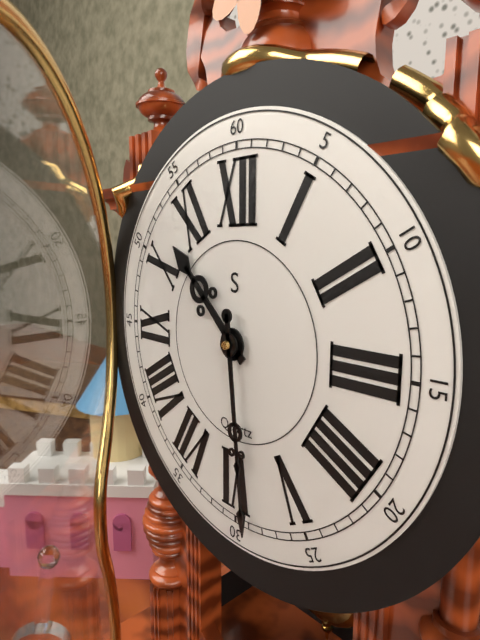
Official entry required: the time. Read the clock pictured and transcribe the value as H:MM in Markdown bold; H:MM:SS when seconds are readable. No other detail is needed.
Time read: **10:29**
